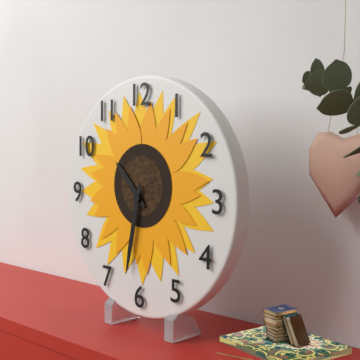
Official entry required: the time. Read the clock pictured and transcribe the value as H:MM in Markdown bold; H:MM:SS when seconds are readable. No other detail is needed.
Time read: **10:32**
